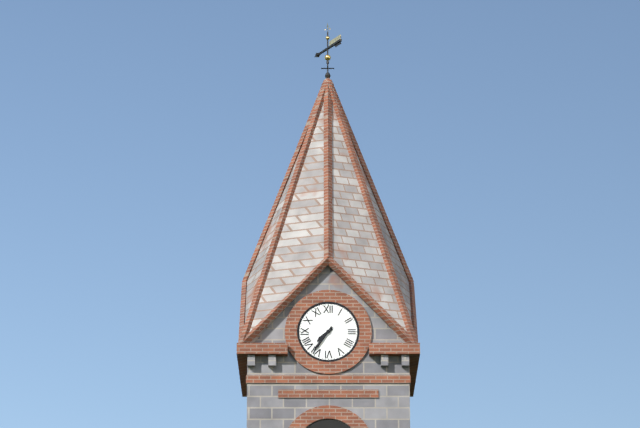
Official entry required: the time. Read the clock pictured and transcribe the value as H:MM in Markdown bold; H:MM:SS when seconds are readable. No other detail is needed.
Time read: **7:36**
